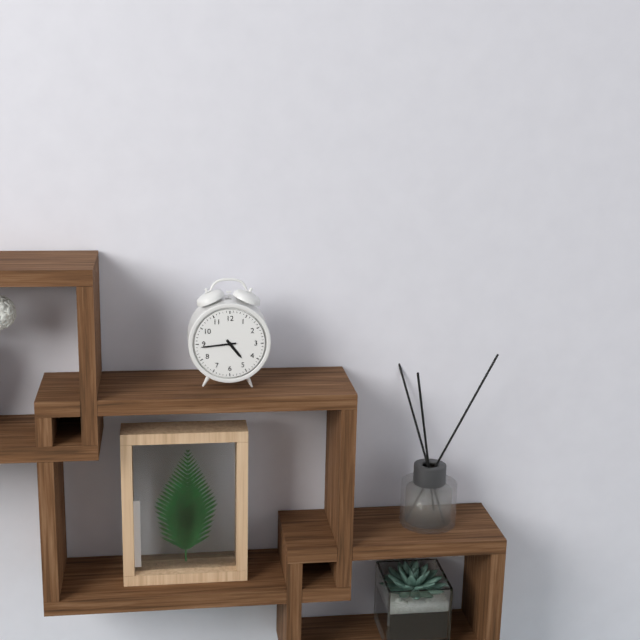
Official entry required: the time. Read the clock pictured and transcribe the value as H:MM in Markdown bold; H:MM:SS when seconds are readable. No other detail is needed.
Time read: **4:44**
